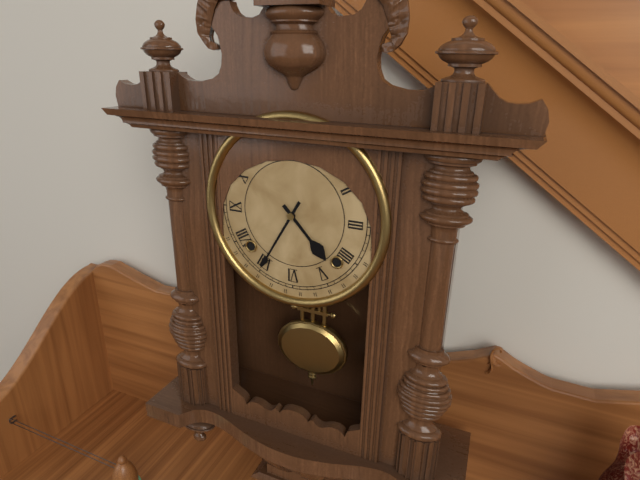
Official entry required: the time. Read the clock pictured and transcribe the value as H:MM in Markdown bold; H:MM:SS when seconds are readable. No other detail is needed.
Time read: **4:35**
